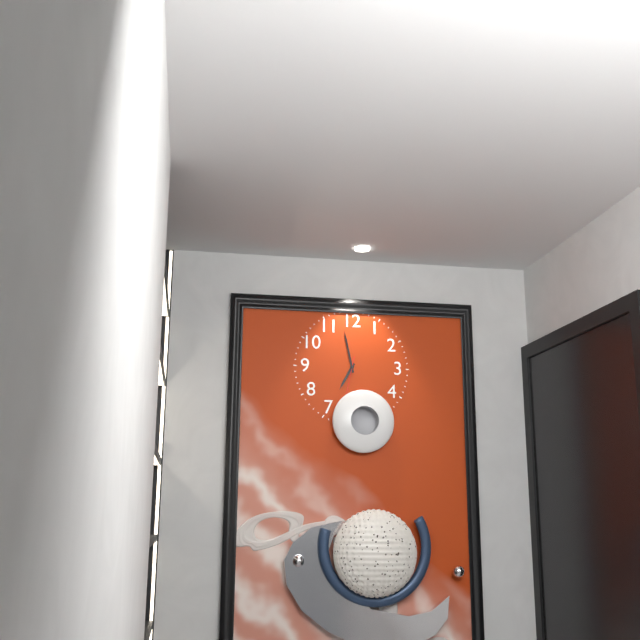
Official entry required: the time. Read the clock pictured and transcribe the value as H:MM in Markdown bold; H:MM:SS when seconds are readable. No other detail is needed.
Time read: **6:58**
